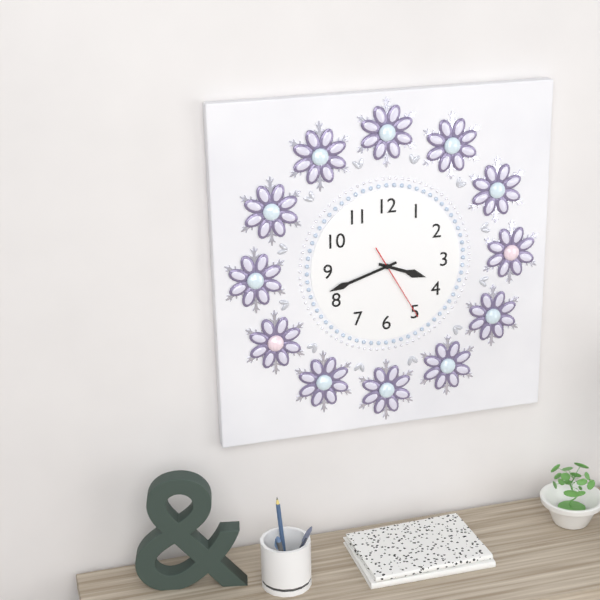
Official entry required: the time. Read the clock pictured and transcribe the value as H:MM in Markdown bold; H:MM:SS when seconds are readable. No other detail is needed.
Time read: **3:42:25**
